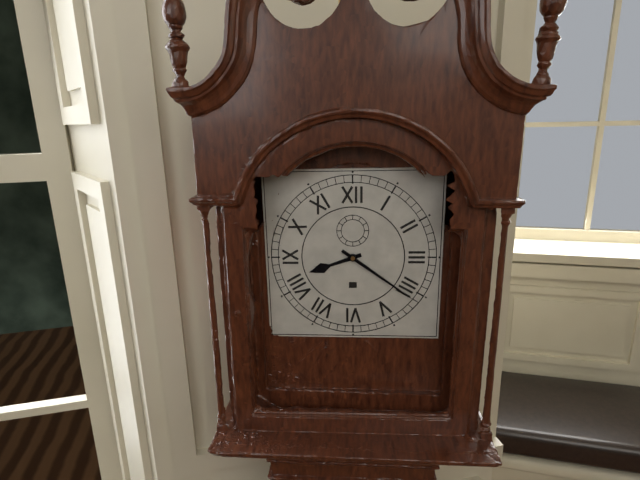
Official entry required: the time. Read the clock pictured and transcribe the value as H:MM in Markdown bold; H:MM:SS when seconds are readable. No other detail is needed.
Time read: **8:21**
